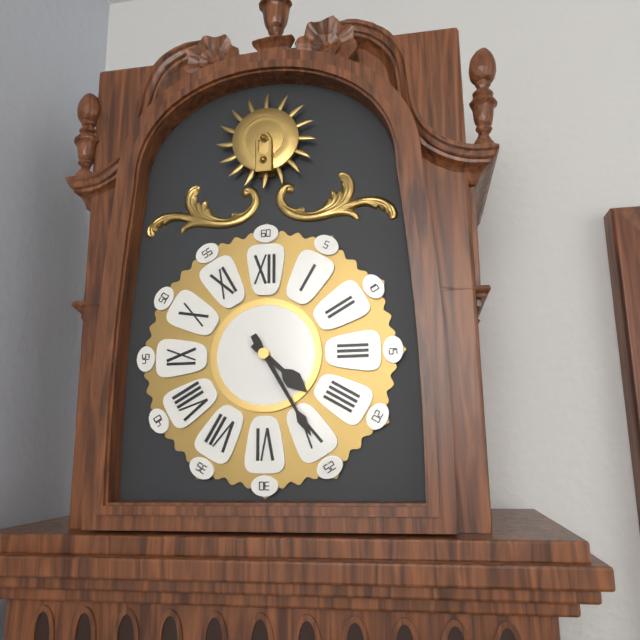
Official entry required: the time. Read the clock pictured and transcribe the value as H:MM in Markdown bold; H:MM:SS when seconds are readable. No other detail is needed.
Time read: **4:25**
